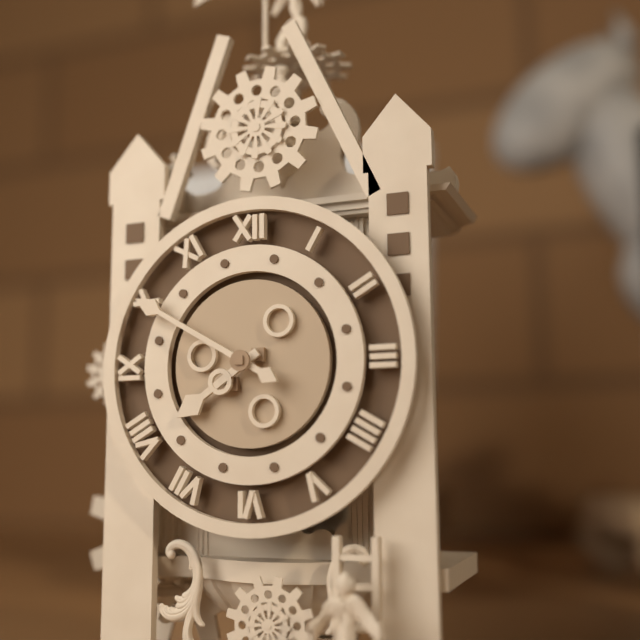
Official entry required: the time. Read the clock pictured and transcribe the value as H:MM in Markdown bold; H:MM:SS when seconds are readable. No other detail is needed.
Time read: **7:50**
